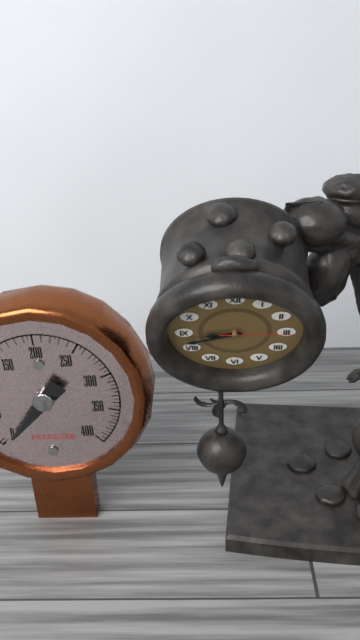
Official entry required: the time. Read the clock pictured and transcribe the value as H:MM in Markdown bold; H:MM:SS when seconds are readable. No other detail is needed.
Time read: **8:42:15**
